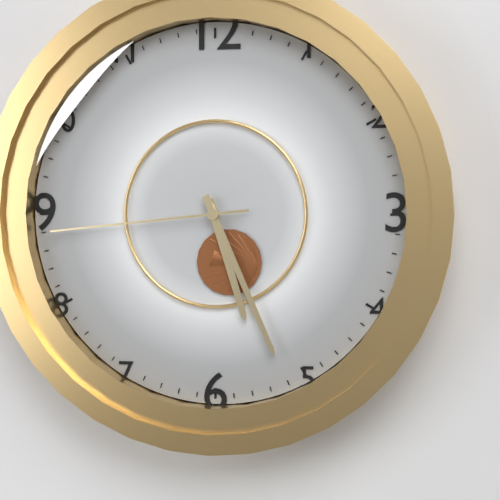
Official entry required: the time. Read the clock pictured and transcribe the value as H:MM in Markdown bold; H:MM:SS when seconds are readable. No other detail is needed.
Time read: **5:26:44**
